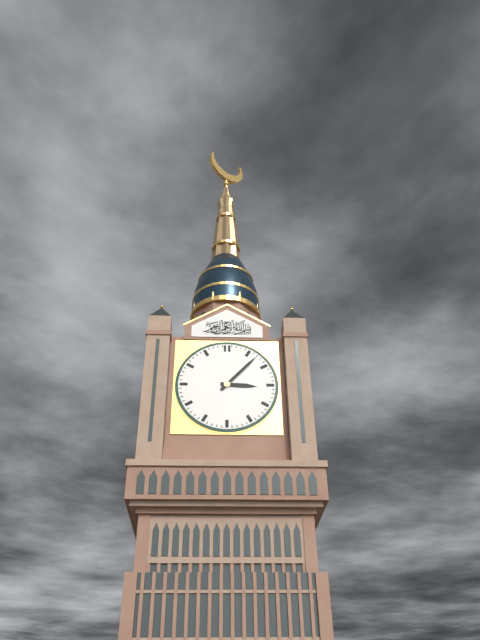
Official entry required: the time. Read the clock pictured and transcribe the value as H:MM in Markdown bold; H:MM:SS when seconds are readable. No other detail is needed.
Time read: **3:07**
